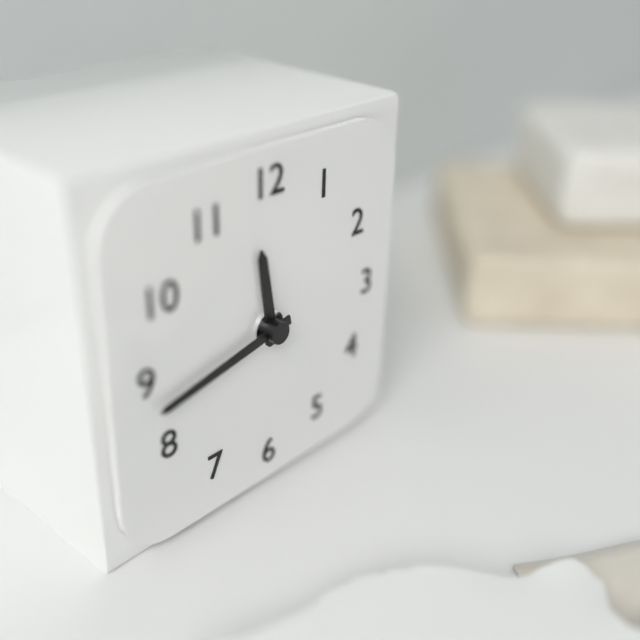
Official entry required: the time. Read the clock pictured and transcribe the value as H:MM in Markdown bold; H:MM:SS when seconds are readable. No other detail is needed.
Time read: **11:43**
